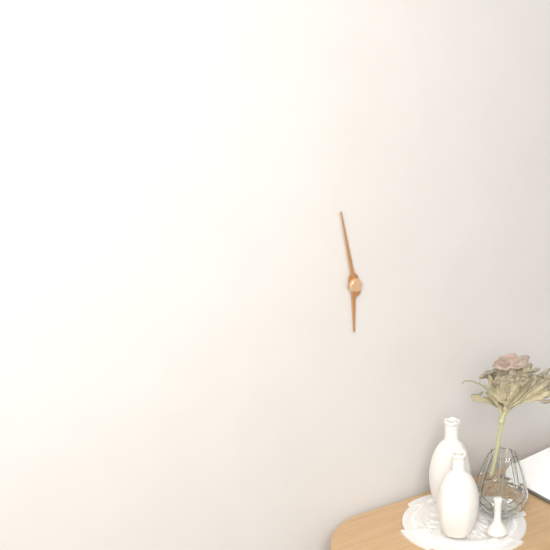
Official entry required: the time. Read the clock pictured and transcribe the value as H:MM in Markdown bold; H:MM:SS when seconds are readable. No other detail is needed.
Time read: **5:58**
